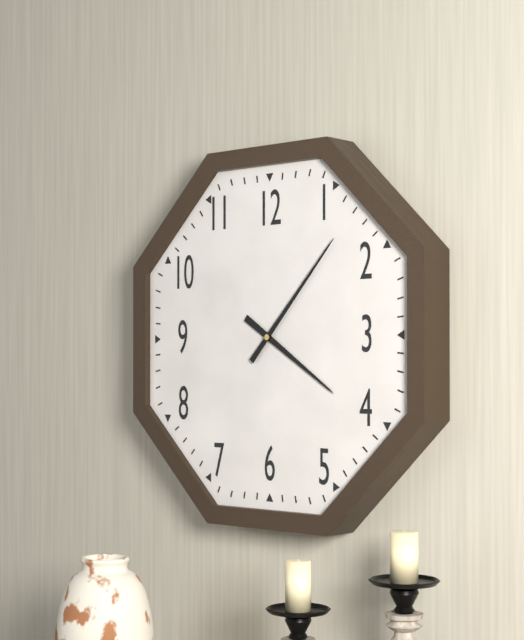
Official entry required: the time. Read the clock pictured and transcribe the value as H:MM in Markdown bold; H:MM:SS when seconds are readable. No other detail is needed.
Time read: **4:07**
